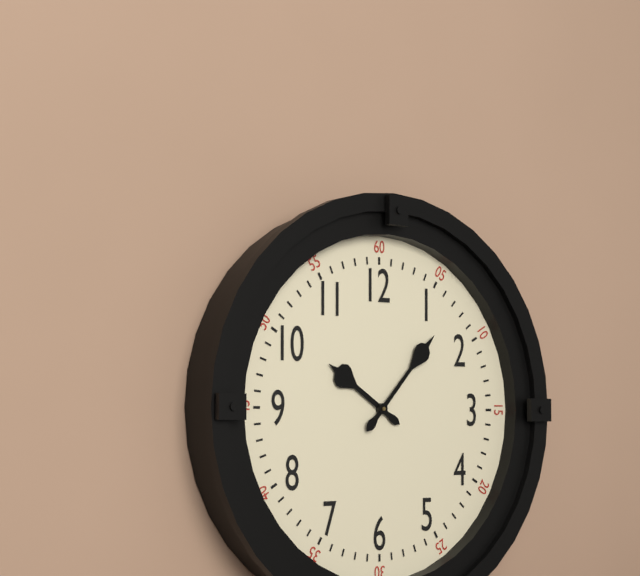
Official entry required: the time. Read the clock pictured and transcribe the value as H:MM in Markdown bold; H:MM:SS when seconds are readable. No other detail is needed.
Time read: **10:07**
